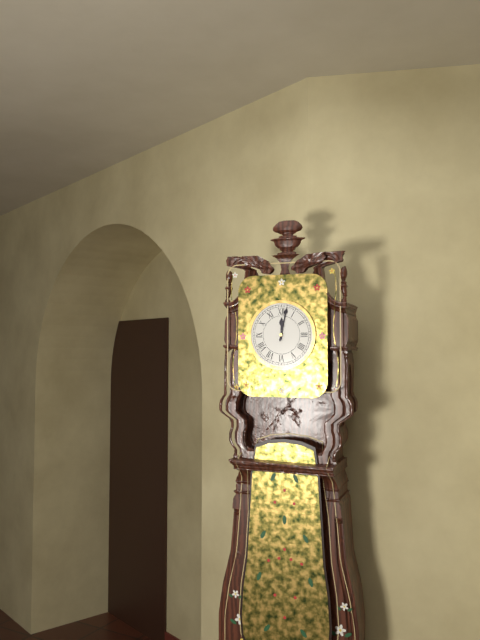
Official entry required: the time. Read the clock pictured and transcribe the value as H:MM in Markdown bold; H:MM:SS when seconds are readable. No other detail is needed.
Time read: **12:02**
